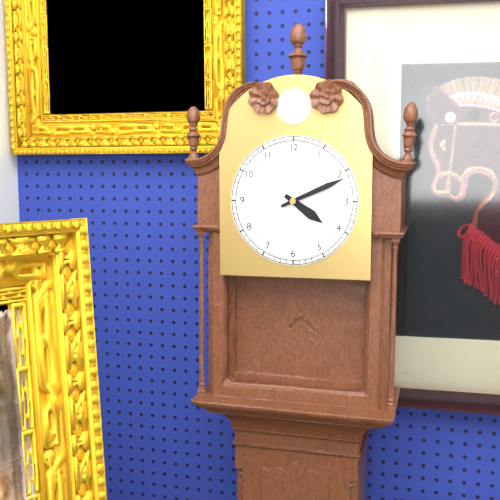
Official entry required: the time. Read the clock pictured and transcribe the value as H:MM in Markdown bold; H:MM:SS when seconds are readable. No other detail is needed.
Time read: **4:11**
